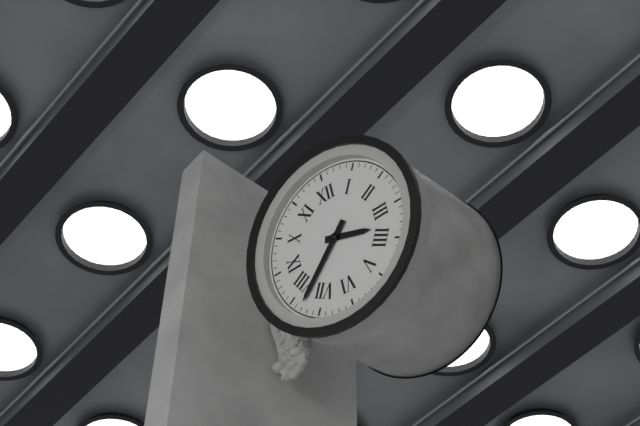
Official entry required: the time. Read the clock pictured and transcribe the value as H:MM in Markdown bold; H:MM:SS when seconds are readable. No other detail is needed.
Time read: **3:38**
